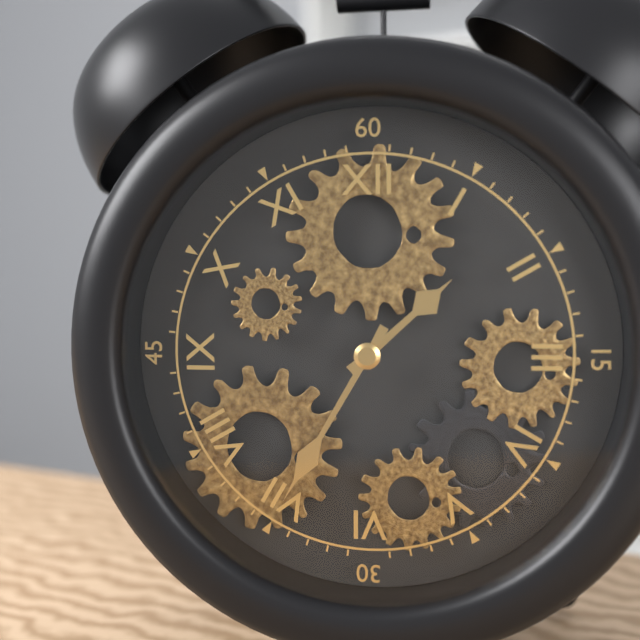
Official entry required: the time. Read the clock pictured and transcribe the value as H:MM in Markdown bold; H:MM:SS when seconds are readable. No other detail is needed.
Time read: **1:35**
